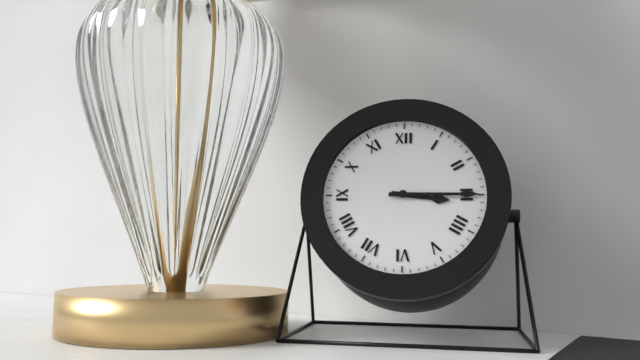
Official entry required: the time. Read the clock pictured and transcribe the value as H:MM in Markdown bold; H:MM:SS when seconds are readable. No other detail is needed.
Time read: **3:15**
